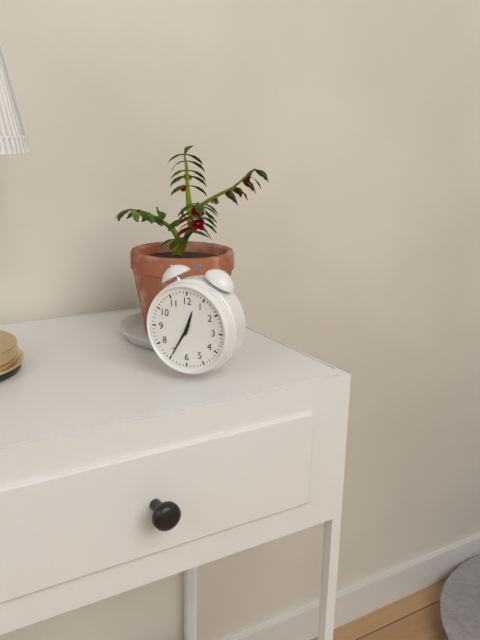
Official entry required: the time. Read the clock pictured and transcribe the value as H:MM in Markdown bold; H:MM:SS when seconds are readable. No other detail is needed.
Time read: **12:35**
